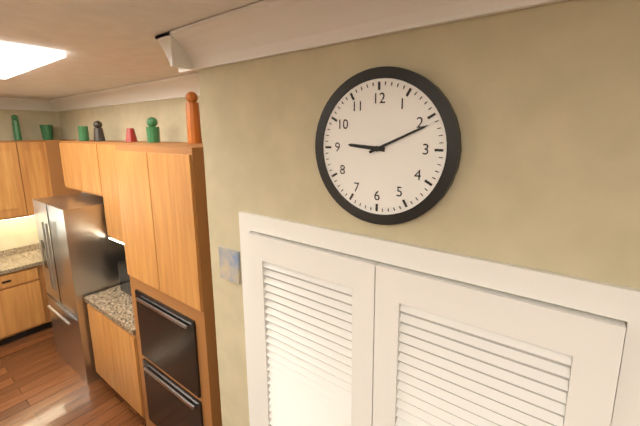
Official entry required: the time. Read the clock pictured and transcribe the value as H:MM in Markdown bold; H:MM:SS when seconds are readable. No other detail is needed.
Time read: **9:11**
